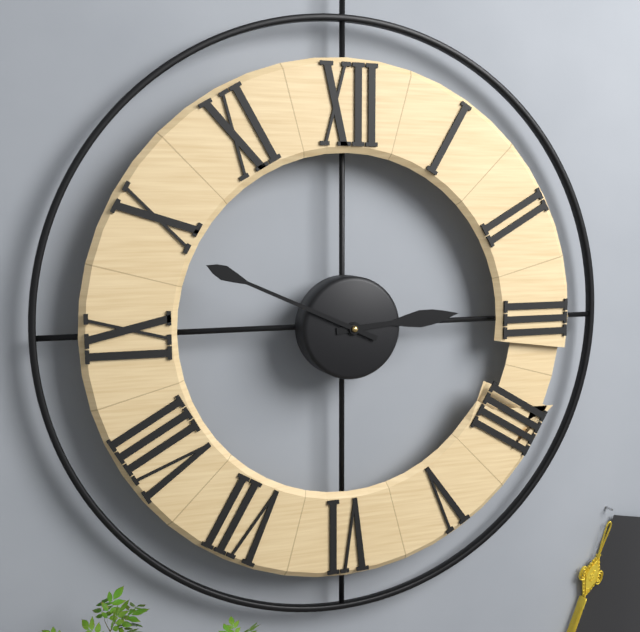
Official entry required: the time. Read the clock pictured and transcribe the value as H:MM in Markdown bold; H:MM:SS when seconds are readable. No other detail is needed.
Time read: **2:49**
